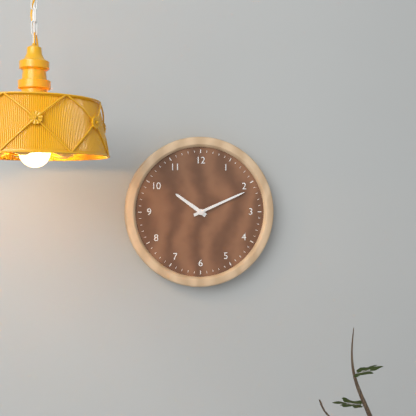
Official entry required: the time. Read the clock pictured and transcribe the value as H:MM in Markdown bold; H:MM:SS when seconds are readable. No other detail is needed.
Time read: **10:11**
